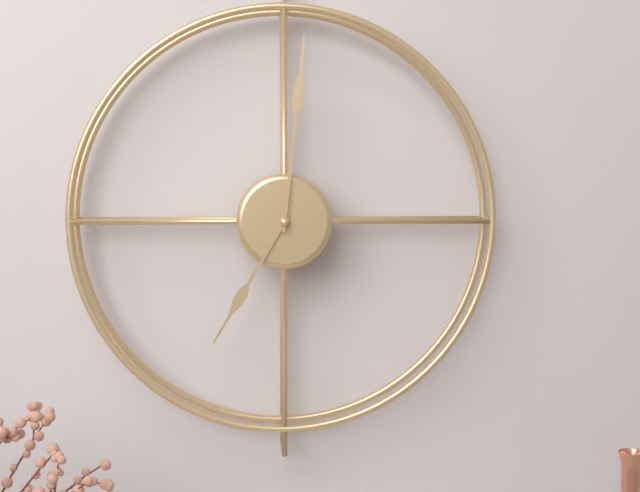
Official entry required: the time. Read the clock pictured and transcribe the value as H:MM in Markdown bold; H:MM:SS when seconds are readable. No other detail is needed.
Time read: **7:01**
